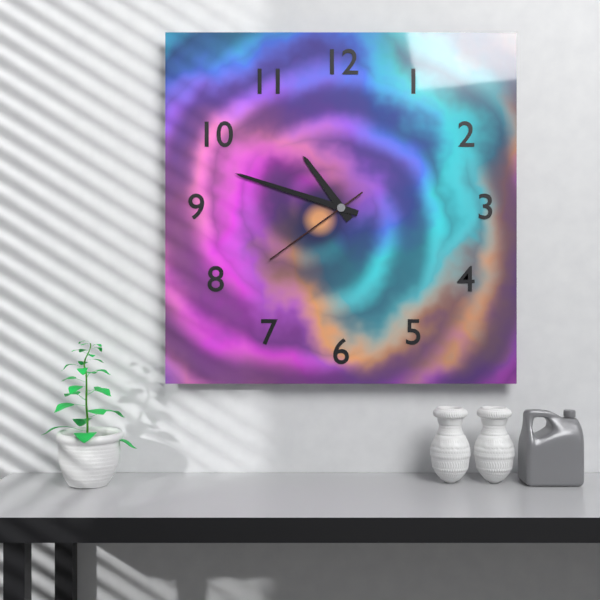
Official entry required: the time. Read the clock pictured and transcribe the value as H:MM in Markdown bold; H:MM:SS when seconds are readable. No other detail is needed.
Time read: **10:48:39**
